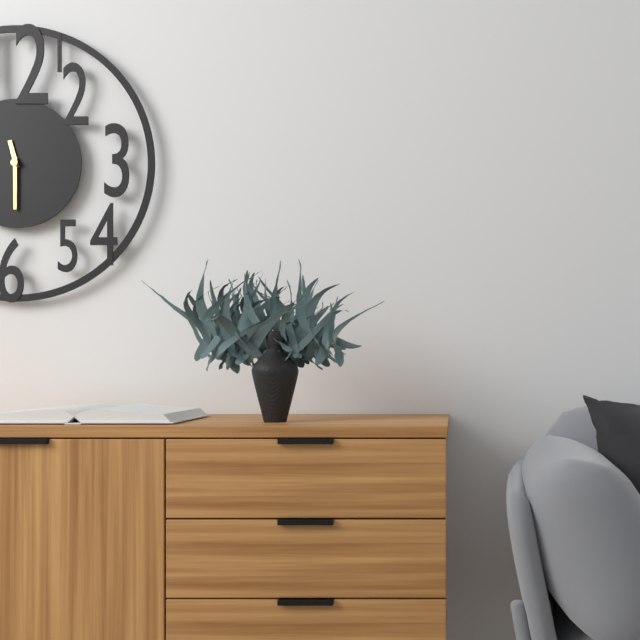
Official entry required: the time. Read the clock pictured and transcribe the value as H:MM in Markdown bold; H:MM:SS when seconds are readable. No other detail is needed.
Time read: **11:30**
